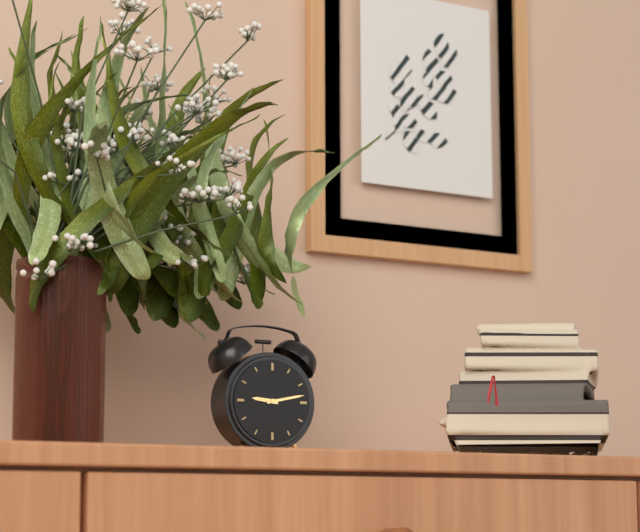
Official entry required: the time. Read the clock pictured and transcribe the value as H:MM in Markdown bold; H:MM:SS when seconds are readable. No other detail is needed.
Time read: **9:13**
